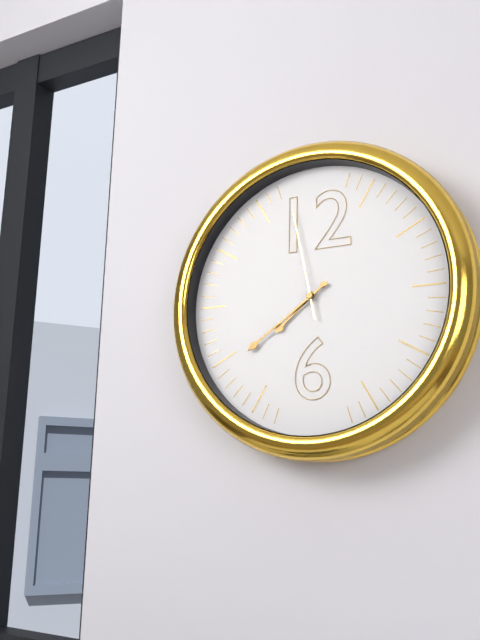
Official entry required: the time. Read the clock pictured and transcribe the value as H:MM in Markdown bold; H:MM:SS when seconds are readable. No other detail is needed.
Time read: **7:39:58**
